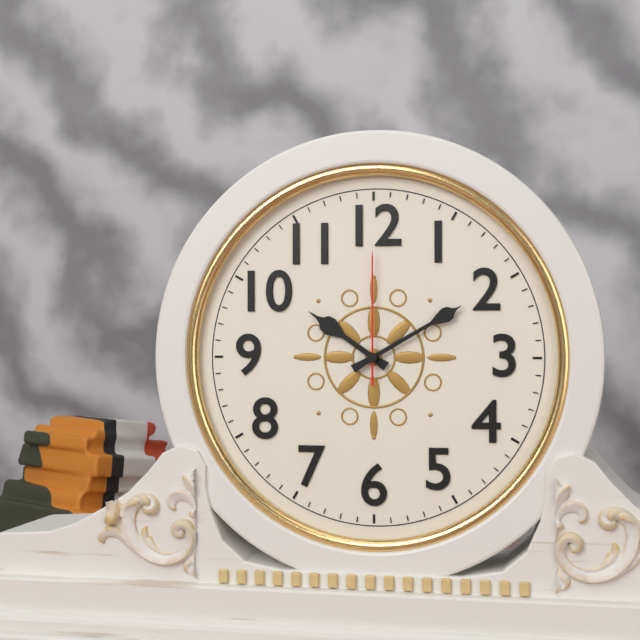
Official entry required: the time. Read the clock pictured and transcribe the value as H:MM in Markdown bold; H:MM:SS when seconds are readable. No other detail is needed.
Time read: **10:10:00**
